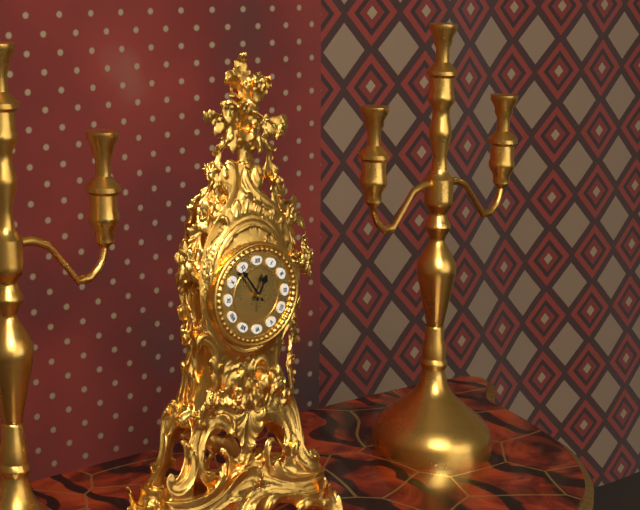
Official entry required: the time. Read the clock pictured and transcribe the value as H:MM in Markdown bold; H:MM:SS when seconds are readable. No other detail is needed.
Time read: **12:54**
